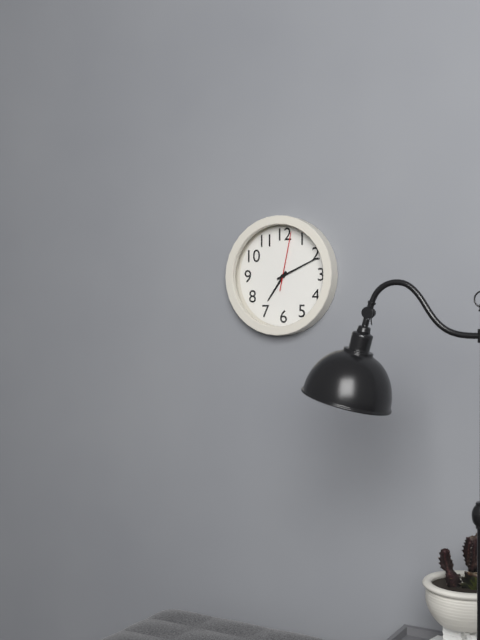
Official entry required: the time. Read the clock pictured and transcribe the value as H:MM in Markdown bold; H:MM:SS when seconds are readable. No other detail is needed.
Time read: **7:11:02**
